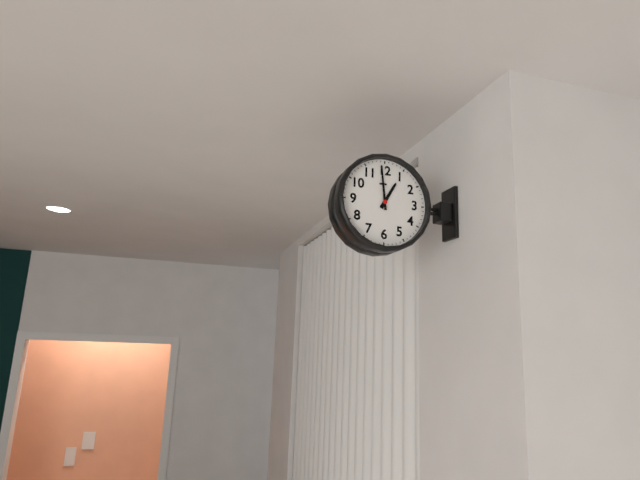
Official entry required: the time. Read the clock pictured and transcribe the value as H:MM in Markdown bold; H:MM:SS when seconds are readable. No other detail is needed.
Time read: **12:59**
